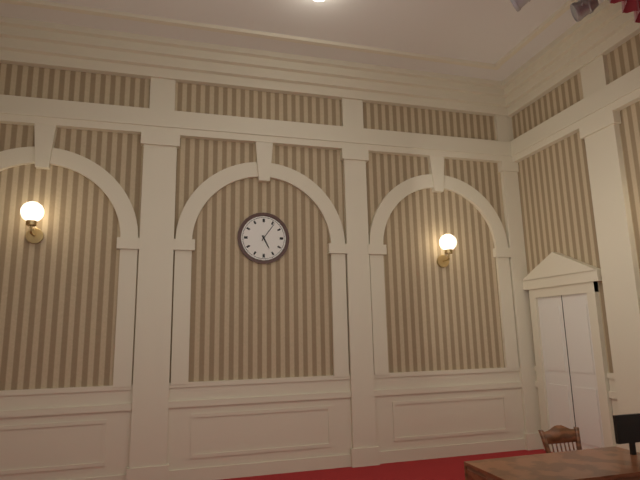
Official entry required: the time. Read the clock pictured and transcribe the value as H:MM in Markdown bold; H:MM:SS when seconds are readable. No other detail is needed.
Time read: **5:06**
